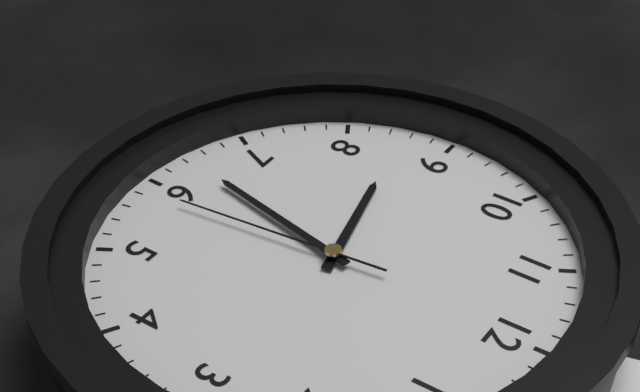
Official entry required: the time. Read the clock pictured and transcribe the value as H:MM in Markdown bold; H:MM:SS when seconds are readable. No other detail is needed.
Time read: **8:32:29**
